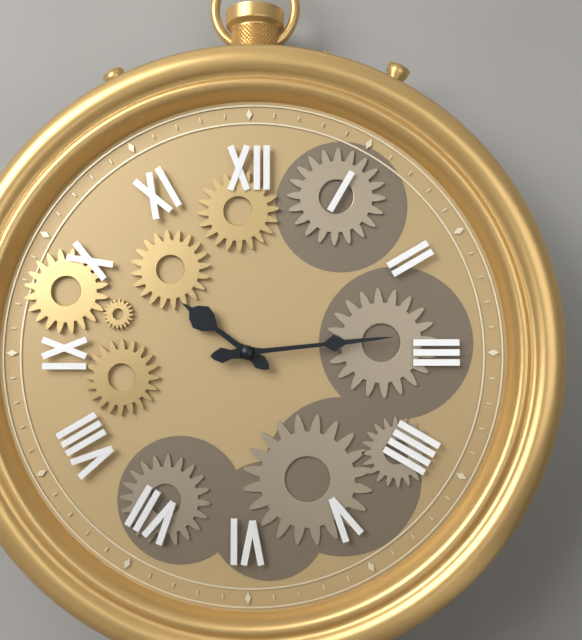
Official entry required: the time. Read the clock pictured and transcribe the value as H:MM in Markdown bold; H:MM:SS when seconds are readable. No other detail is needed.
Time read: **10:14**
